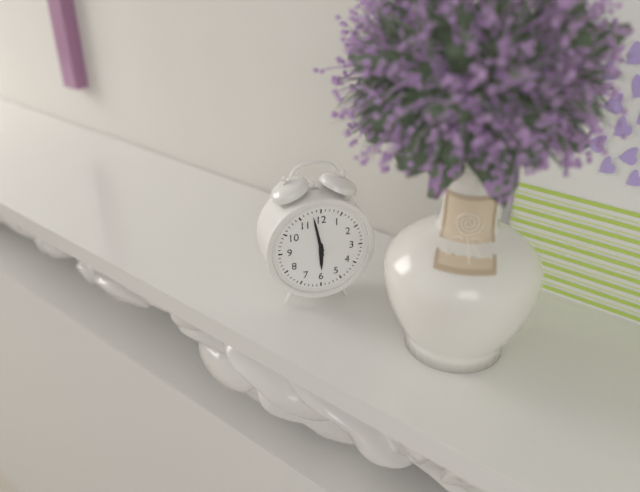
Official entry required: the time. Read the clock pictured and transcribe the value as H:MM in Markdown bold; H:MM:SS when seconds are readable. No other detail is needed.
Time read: **5:58**
